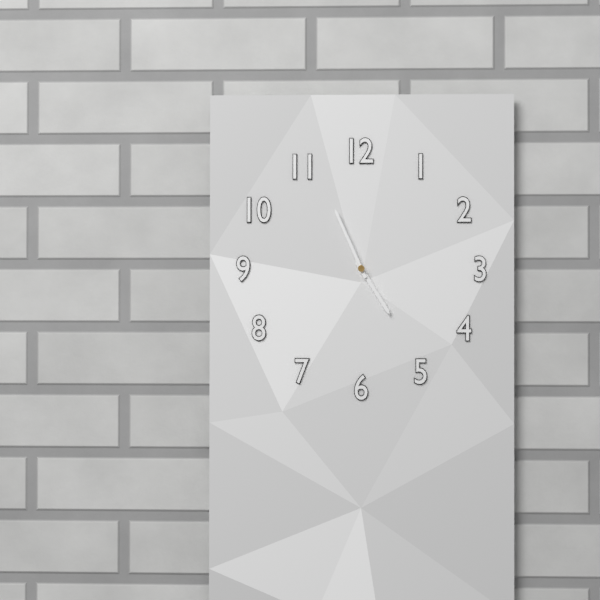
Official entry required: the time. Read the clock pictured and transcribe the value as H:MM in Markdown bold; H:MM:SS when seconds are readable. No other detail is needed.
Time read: **4:56**
